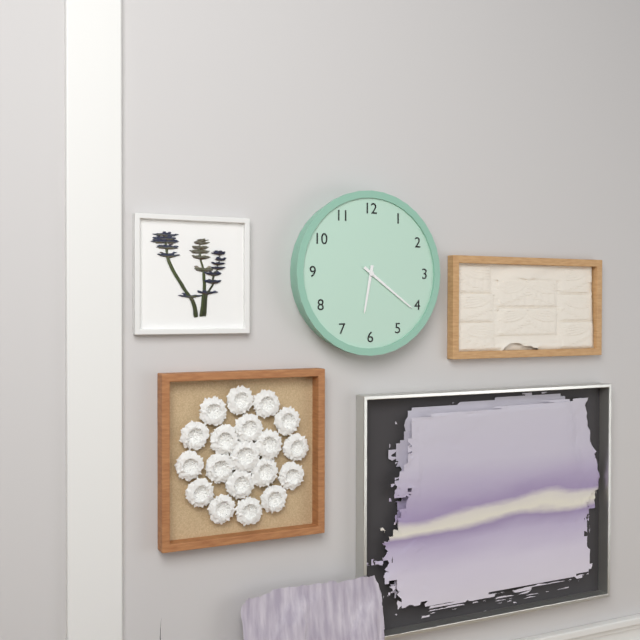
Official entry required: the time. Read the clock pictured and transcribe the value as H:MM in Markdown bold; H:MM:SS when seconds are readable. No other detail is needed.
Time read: **6:21**
